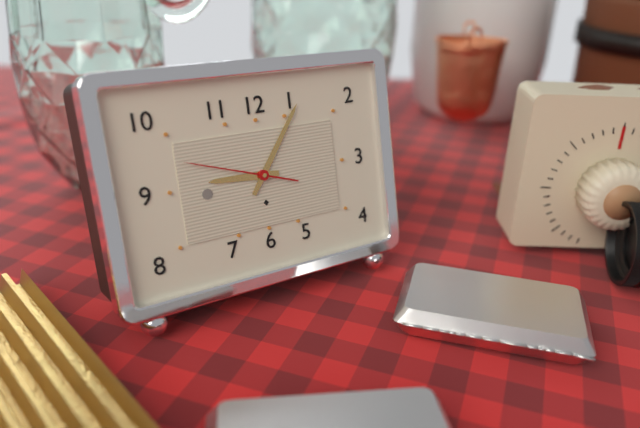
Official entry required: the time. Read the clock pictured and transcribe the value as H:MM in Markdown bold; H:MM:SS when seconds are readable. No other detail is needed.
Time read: **9:06:48**
